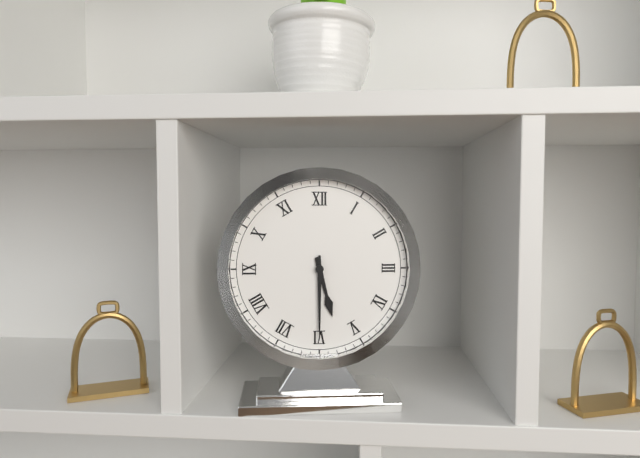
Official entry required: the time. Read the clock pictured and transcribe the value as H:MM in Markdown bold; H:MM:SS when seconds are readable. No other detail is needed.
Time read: **5:30**
